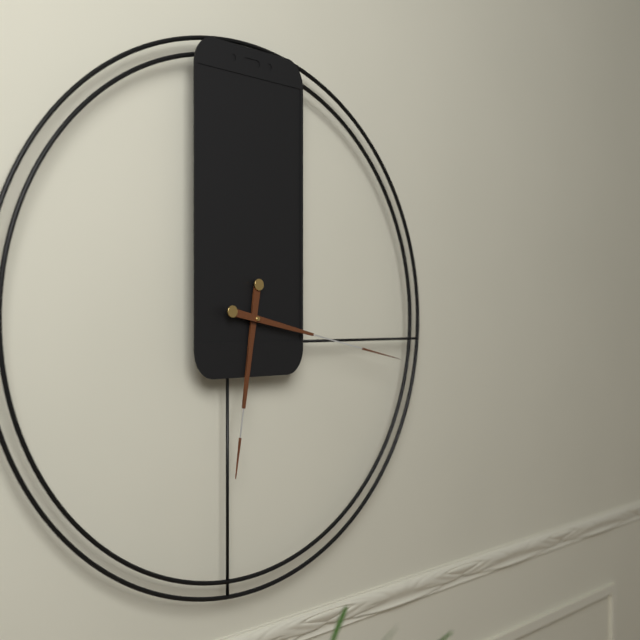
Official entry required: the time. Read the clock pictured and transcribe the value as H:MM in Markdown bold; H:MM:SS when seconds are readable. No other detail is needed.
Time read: **6:17**
